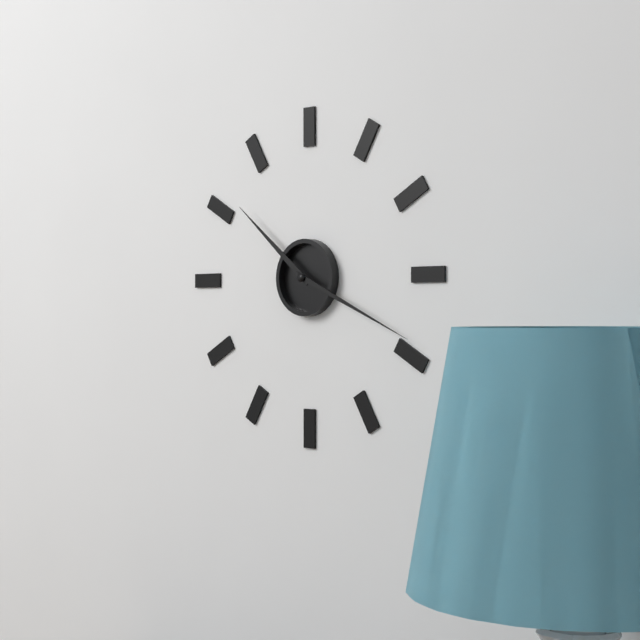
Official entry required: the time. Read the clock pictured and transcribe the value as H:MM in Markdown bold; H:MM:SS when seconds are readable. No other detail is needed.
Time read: **10:19**
